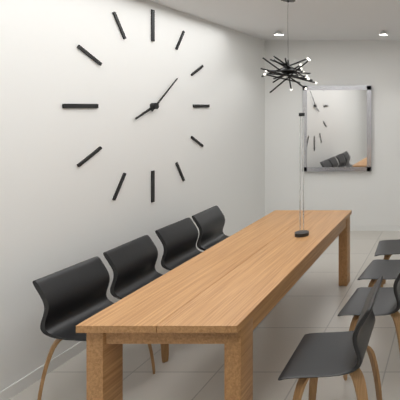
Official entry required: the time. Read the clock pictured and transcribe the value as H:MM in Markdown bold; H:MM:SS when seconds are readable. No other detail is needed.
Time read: **8:08**
